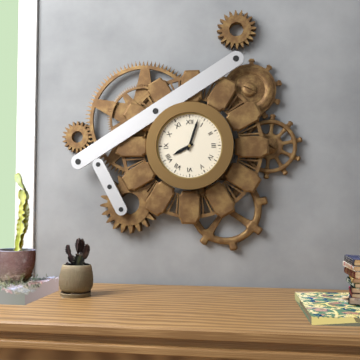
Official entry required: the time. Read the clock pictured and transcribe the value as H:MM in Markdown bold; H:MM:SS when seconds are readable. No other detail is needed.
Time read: **8:03**
